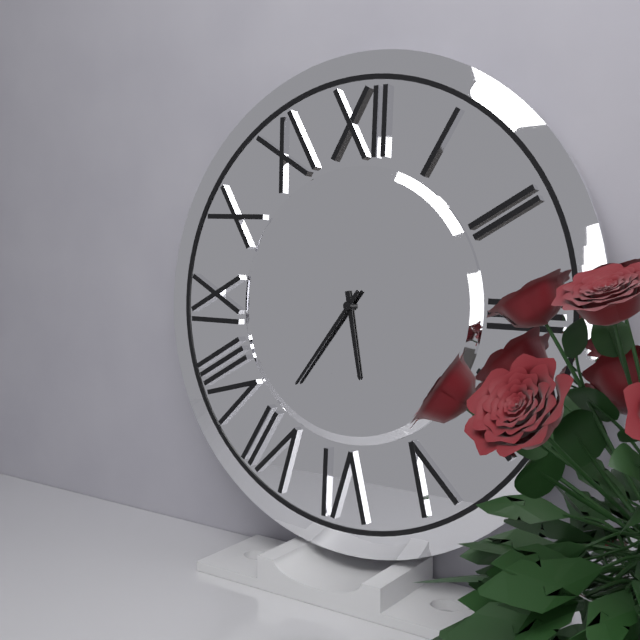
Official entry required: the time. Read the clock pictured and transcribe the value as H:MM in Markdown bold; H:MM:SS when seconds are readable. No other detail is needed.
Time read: **5:36**
